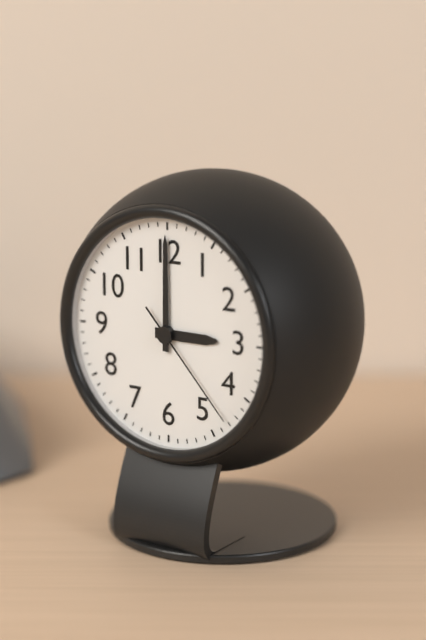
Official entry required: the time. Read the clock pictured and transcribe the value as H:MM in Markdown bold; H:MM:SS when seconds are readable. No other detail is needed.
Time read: **3:00:23**
